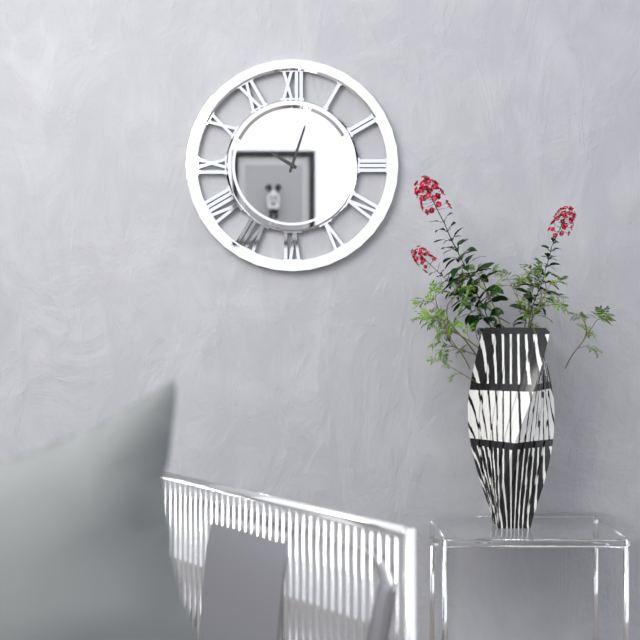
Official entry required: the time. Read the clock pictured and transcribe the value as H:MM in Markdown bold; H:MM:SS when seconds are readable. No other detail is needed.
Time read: **10:03**
